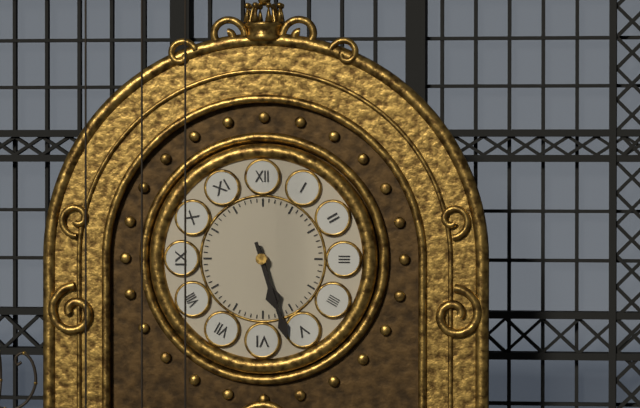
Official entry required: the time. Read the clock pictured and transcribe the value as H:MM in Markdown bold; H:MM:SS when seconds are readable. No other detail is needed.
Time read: **5:27**
